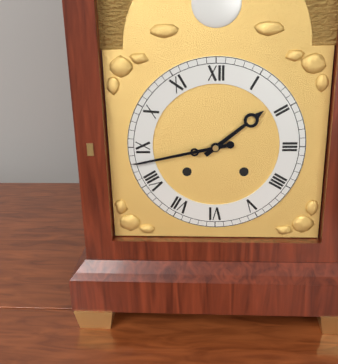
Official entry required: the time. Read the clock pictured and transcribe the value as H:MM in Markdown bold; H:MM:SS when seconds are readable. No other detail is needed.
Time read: **1:43**
